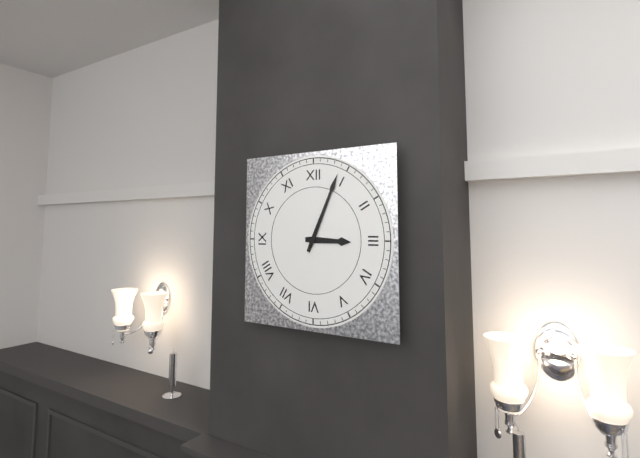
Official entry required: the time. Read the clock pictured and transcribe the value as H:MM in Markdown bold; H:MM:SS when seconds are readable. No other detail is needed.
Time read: **3:04**
